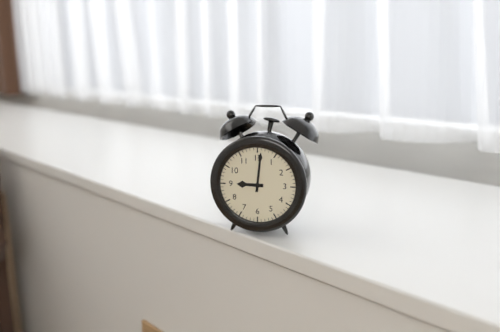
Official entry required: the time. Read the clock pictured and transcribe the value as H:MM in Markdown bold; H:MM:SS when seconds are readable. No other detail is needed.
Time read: **9:01**
